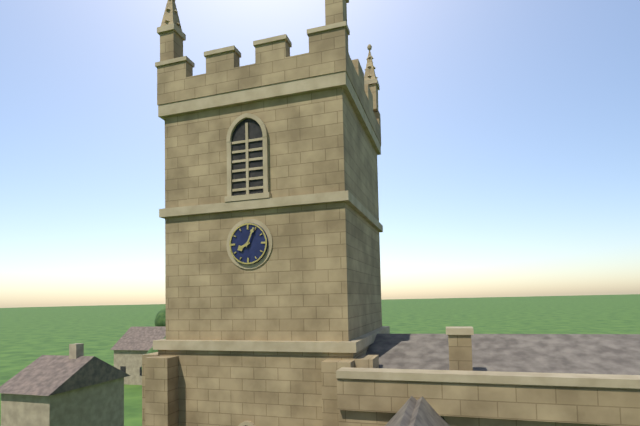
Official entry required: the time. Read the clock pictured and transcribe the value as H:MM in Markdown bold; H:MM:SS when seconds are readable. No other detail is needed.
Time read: **8:04**
